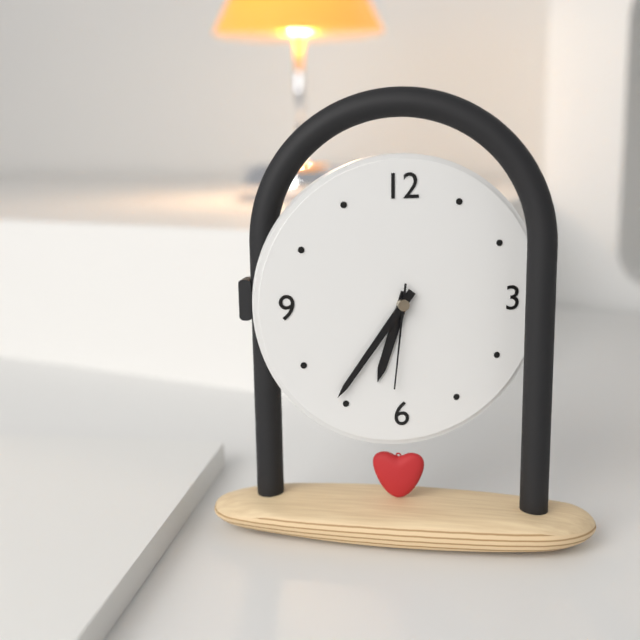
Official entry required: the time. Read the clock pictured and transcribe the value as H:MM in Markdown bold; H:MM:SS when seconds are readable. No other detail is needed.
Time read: **6:36:31**
